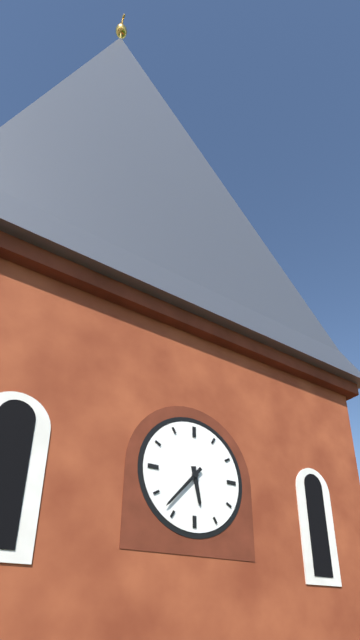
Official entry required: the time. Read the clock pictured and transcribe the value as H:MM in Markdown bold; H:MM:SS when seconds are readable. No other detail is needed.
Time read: **5:37**
